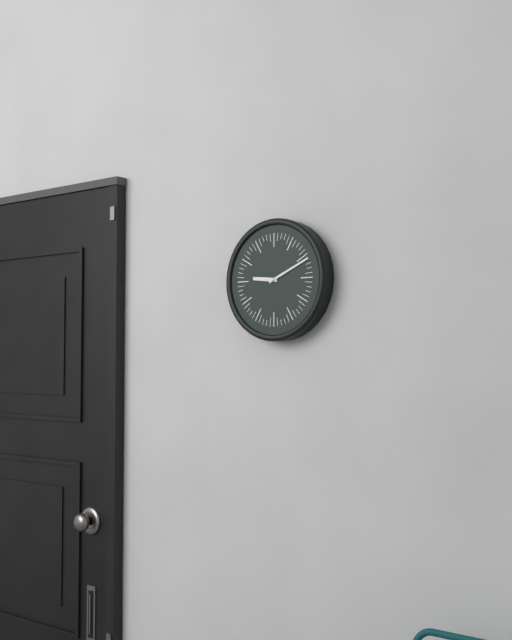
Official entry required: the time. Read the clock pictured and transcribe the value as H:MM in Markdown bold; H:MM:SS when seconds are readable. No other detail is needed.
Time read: **9:11**
